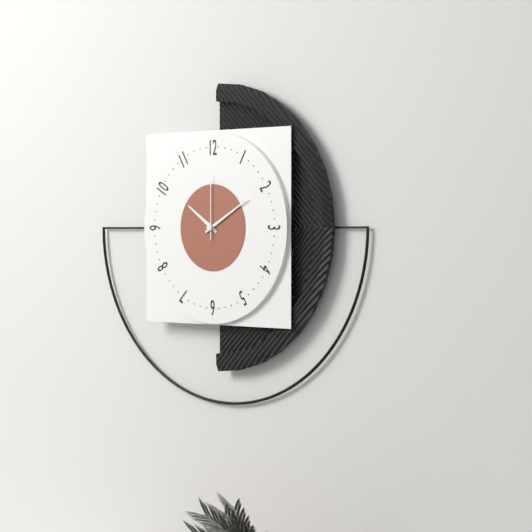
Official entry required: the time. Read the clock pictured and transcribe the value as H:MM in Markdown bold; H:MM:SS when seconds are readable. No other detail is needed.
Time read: **10:10:00**
